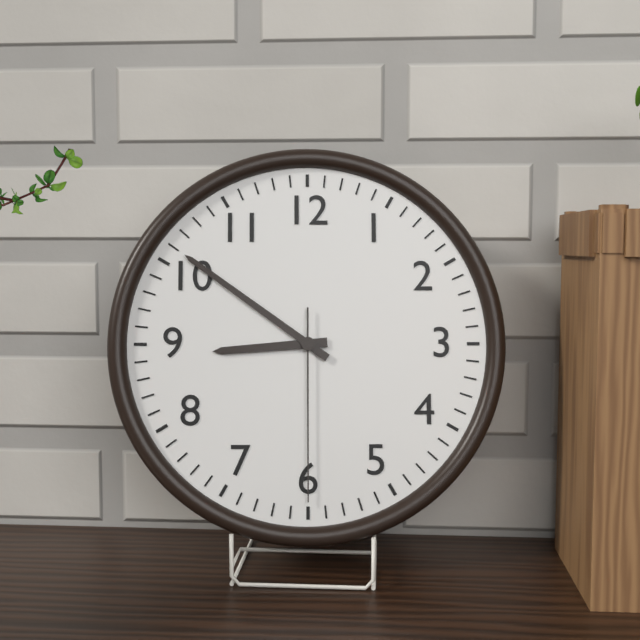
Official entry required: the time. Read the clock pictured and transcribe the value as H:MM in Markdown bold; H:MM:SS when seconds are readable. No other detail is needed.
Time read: **8:51:30**
